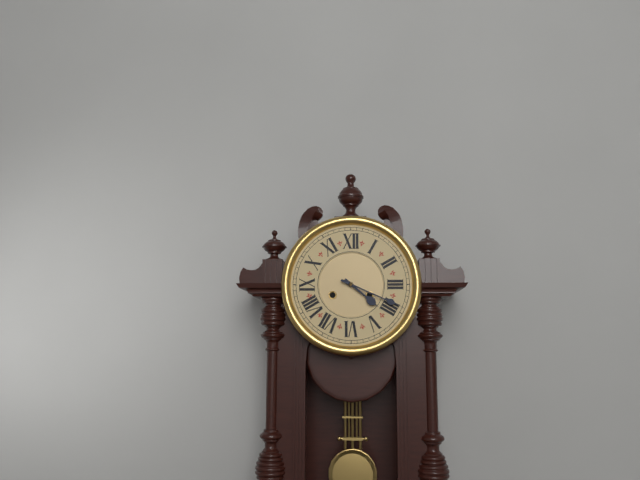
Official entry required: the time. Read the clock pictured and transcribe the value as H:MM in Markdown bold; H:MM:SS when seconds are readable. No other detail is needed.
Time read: **4:19**
